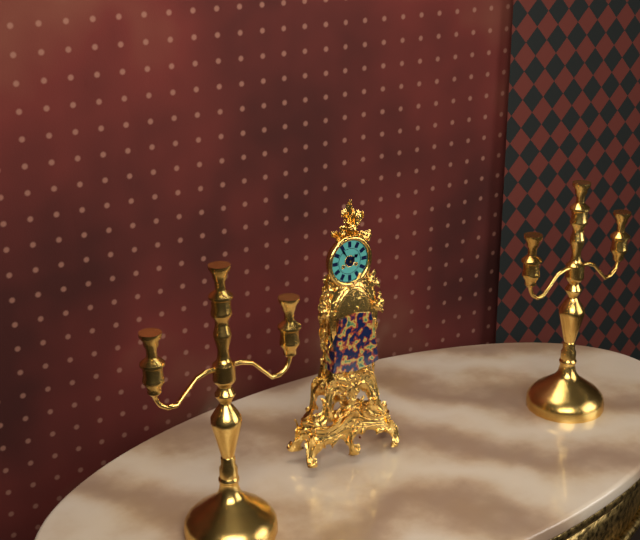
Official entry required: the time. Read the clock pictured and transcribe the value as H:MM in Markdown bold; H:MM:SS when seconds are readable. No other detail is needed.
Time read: **1:54**
